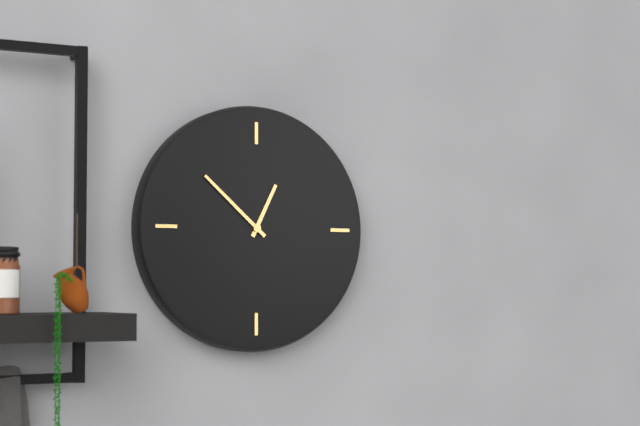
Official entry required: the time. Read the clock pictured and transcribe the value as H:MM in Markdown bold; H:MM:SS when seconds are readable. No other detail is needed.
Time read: **12:52**
